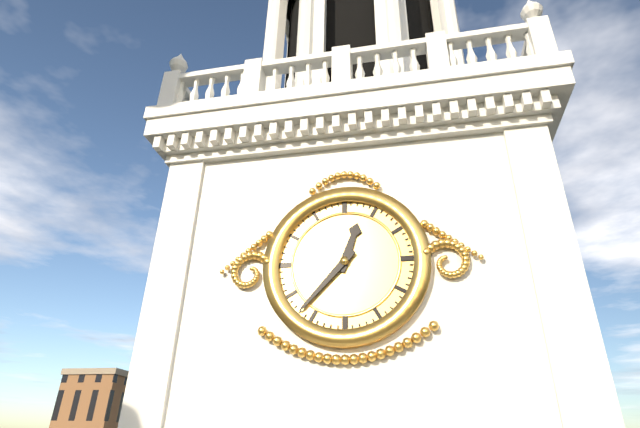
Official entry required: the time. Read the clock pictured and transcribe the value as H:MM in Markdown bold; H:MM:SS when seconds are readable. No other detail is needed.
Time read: **12:37**
